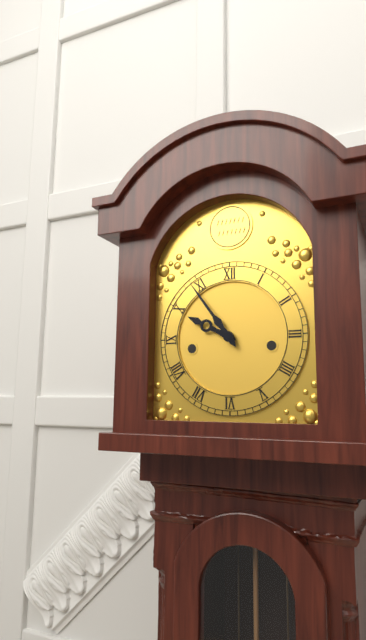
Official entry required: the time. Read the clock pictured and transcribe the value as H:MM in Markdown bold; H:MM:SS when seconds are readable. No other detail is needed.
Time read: **9:54**
